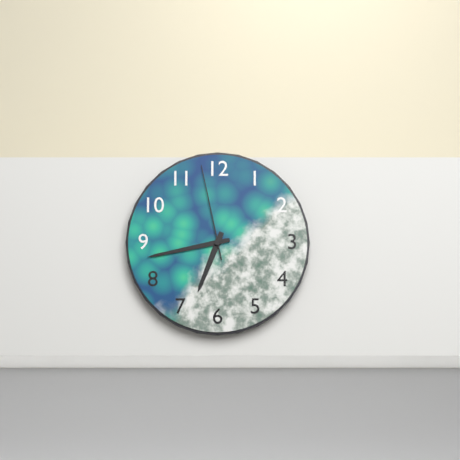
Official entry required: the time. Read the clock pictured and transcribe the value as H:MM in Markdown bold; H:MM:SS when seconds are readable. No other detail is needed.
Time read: **6:43:58**
